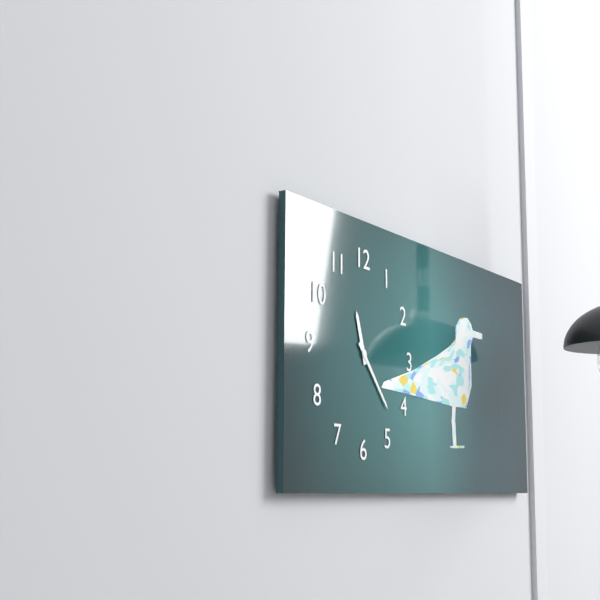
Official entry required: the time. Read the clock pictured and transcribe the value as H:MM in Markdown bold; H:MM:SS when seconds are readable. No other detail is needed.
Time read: **11:23**
